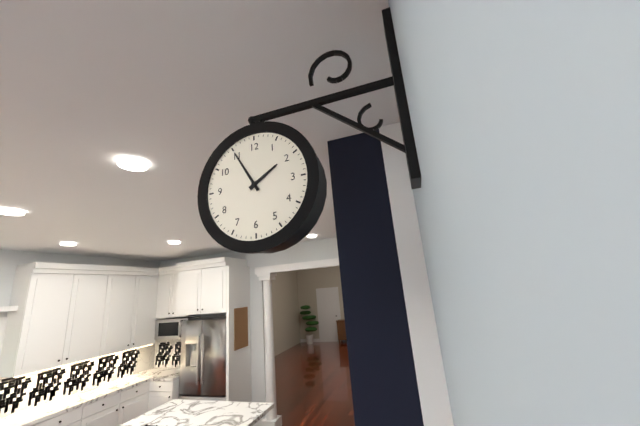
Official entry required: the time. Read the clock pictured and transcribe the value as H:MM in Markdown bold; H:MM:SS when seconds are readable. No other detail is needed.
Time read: **1:55**
